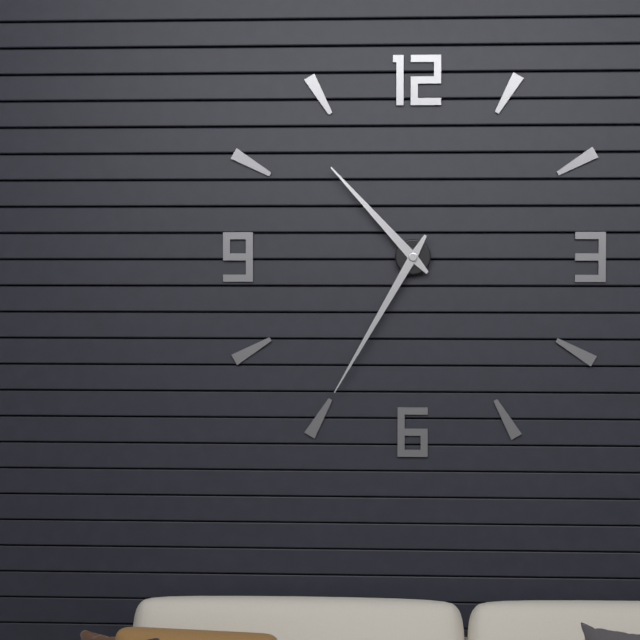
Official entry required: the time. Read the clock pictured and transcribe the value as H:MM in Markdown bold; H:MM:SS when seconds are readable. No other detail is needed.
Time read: **10:35**
